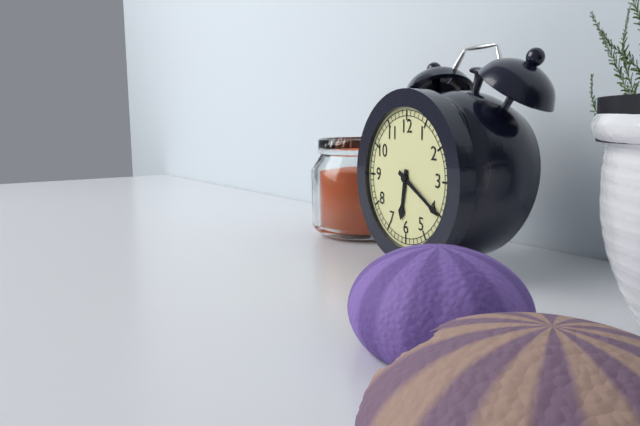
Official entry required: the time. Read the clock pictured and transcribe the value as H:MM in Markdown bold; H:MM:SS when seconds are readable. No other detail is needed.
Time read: **6:20**
